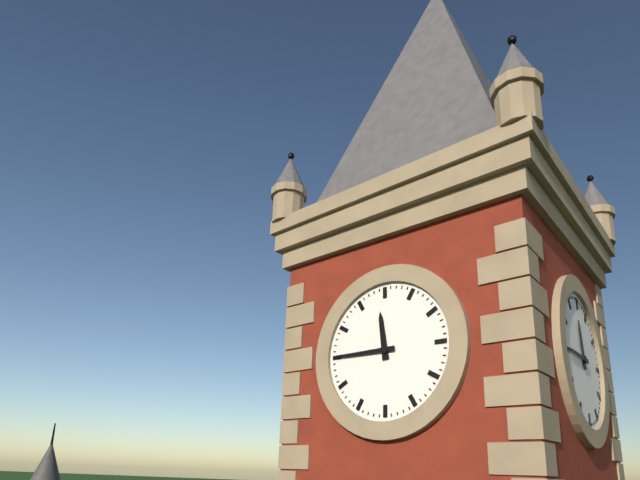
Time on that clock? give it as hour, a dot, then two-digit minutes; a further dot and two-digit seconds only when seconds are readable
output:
11.45
